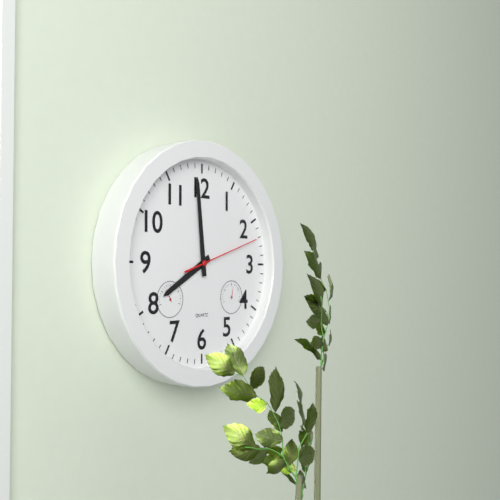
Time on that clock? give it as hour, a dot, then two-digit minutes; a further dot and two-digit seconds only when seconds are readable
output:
7.59.12
